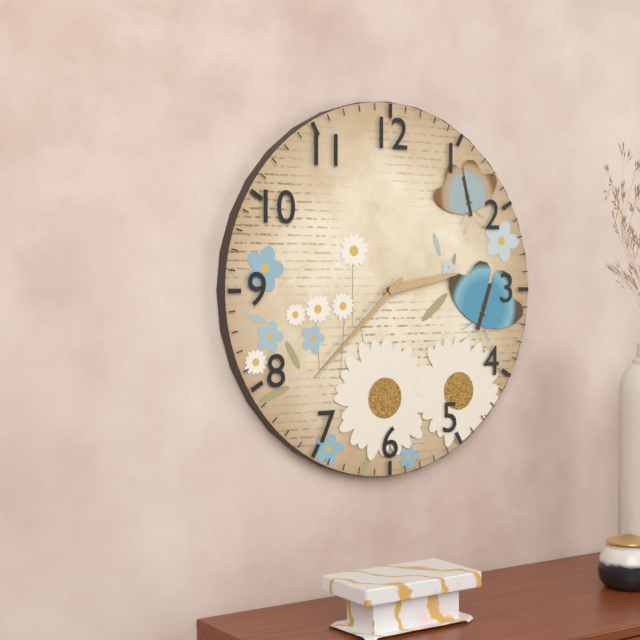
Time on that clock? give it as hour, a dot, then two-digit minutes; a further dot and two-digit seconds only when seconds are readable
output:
2.38
